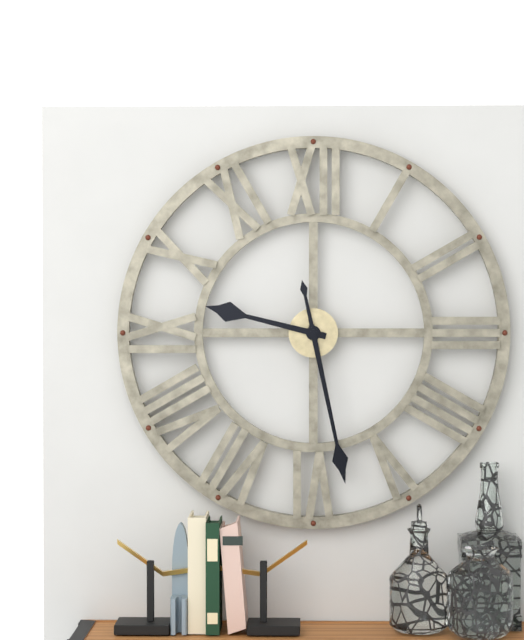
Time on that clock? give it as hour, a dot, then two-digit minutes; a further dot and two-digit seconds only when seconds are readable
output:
9.28
